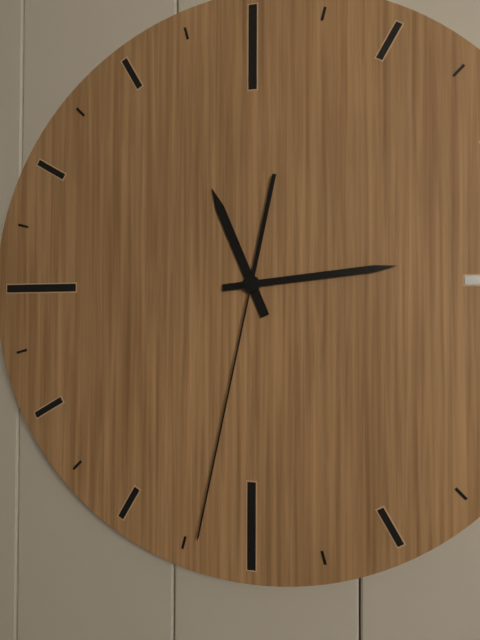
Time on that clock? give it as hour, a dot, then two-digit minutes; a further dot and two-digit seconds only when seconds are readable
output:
11.14.32
